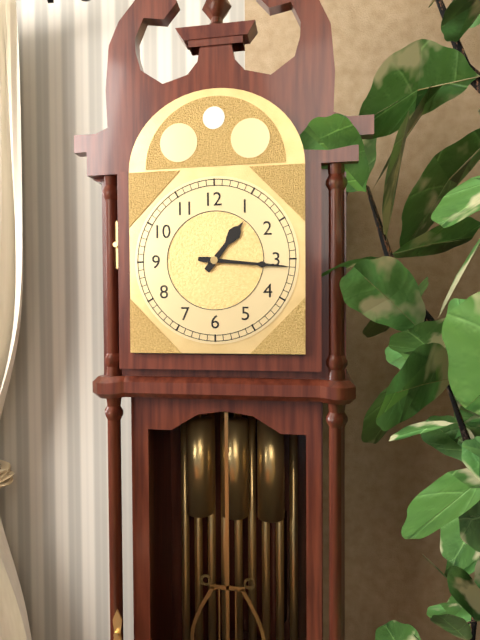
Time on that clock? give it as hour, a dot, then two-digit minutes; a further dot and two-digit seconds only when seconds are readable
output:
1.16
